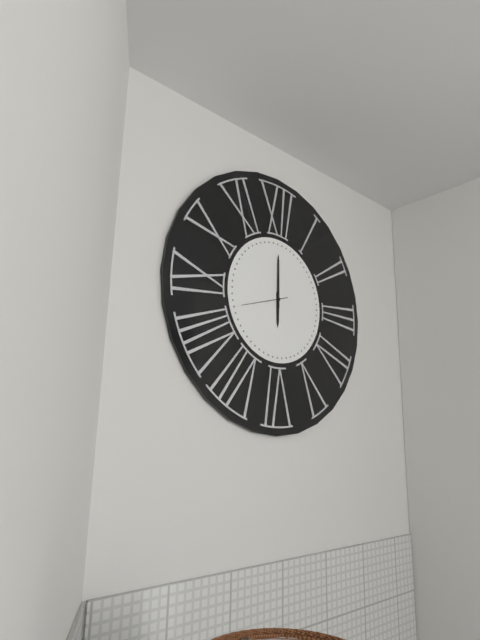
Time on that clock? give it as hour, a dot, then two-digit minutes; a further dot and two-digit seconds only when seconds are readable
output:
6.00
